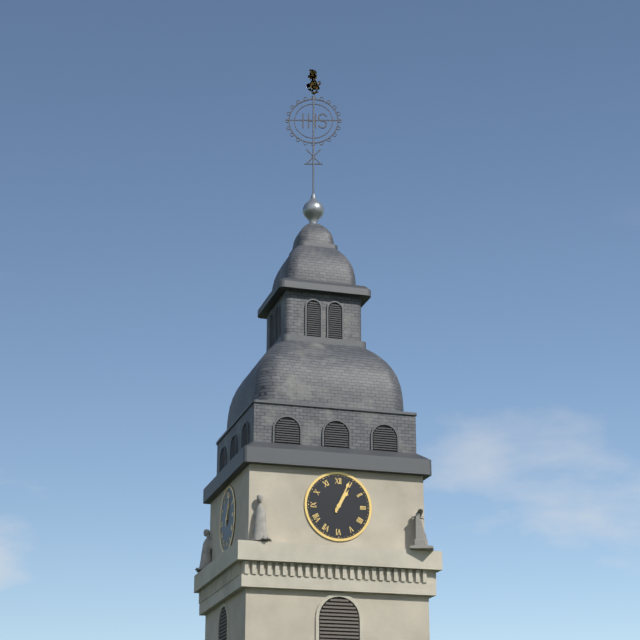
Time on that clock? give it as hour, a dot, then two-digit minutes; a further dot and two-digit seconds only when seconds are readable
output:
1.04
